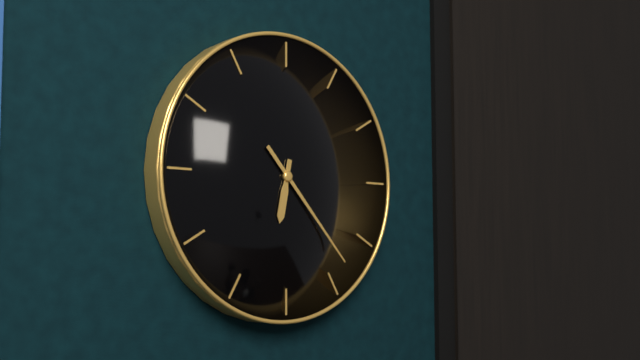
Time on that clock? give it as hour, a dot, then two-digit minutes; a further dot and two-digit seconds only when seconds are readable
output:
6.23
